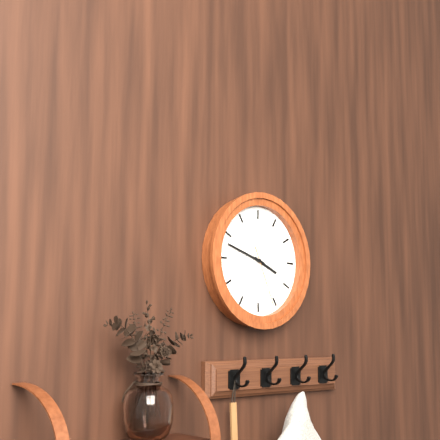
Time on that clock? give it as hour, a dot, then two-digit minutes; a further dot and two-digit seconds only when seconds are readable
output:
3.48.26
